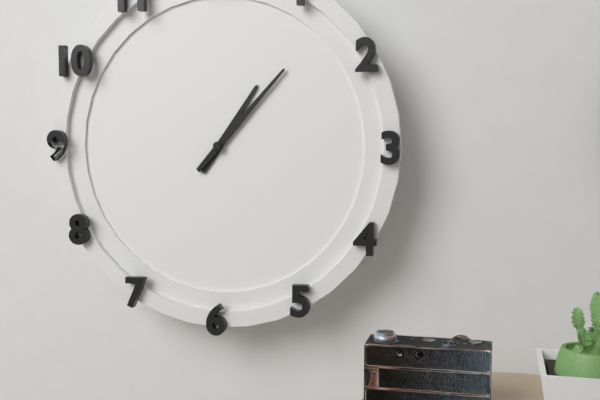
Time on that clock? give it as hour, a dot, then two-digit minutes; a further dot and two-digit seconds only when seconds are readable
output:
1.07
